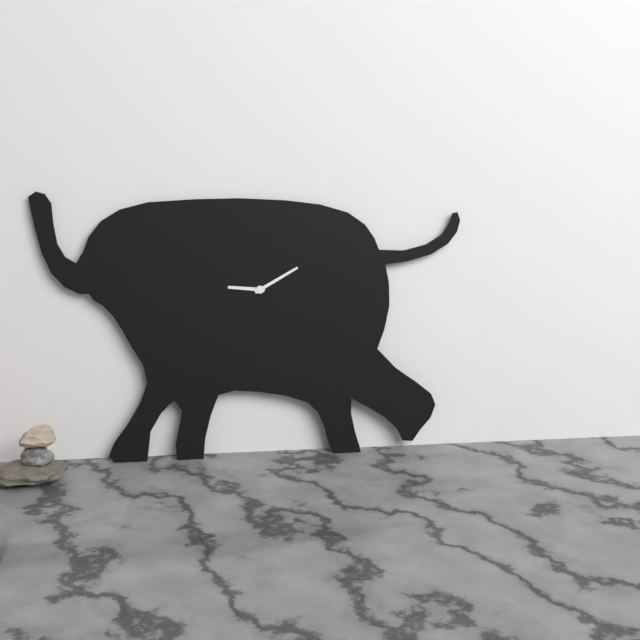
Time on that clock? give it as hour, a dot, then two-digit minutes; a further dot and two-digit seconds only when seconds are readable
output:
9.10
